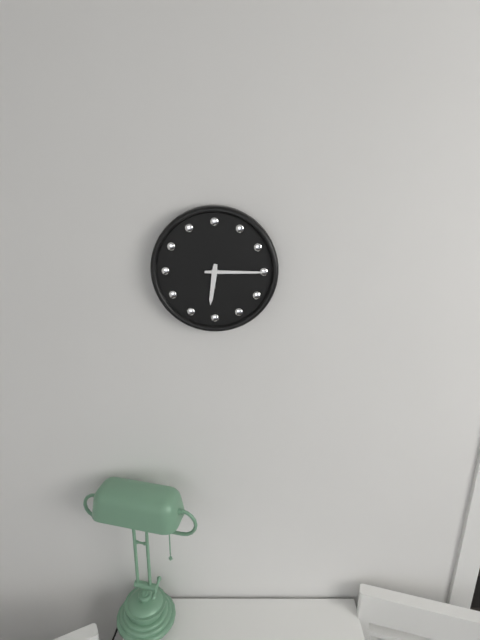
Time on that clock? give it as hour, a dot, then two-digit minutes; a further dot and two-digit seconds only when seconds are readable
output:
6.15
